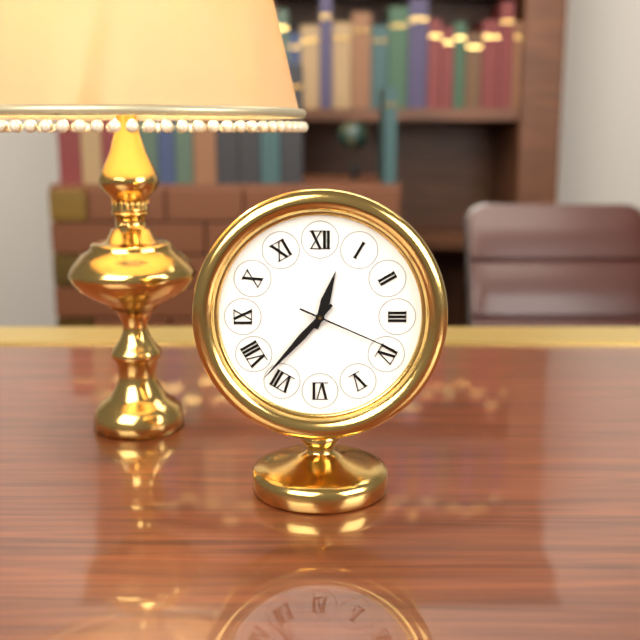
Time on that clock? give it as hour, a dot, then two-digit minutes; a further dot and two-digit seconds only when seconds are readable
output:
12.37.19
